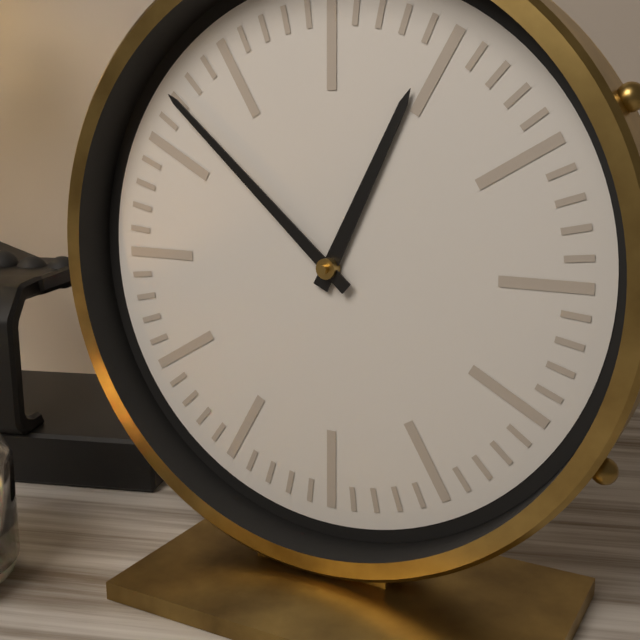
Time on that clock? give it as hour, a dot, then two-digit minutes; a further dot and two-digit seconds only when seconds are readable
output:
12.52
